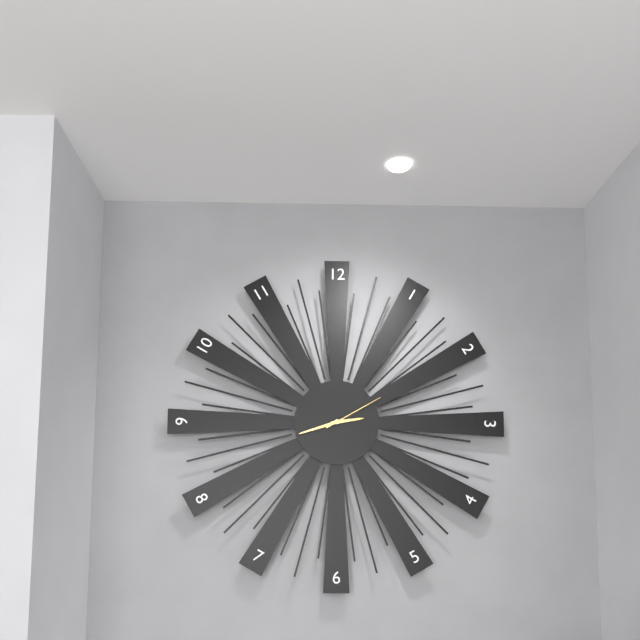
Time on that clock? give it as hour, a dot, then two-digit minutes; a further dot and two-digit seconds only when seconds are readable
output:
2.42.10
